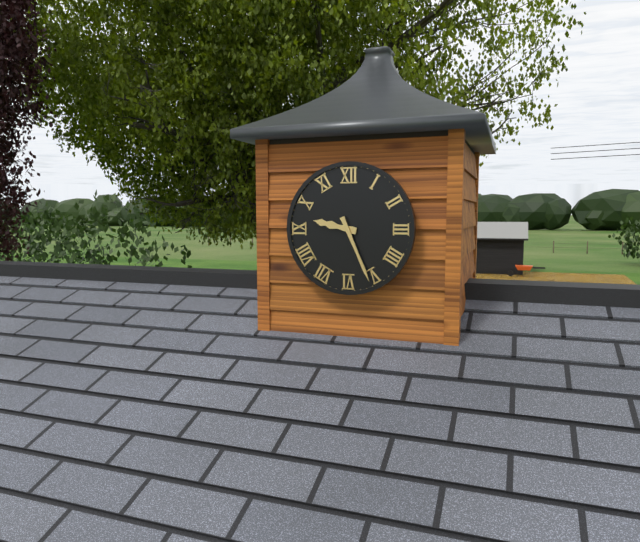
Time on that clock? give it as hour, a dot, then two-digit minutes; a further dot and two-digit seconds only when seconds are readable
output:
9.26
